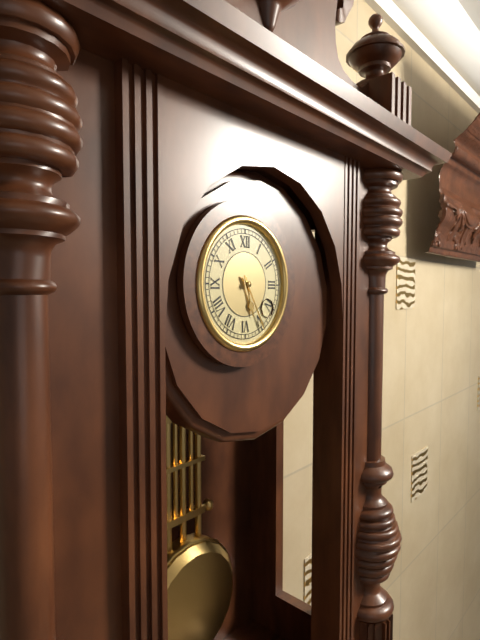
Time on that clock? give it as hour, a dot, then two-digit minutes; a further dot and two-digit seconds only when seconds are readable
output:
5.25
